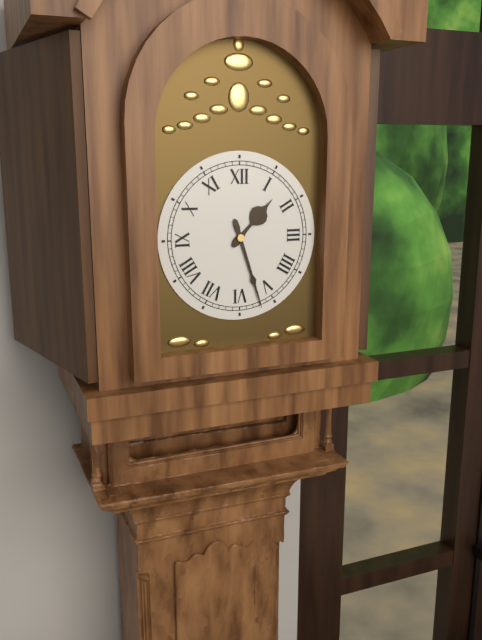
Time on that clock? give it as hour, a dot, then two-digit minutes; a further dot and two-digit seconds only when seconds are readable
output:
1.27
